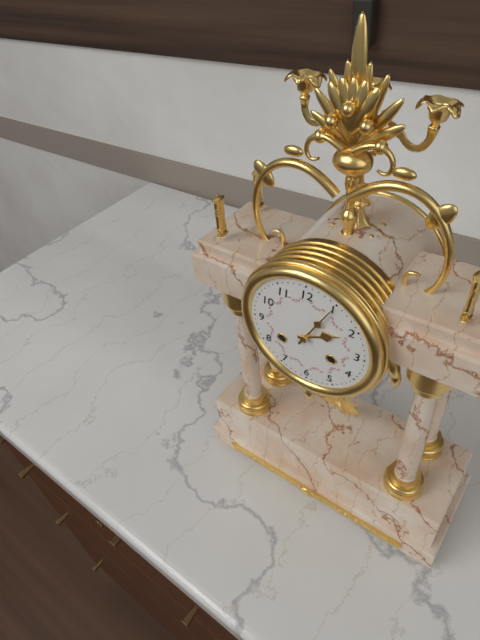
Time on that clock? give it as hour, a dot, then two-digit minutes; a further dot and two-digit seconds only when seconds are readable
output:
2.05
